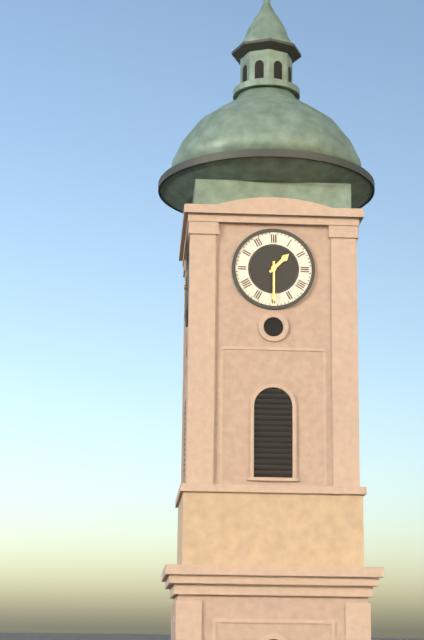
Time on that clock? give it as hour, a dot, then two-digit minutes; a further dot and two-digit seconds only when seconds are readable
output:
1.30
